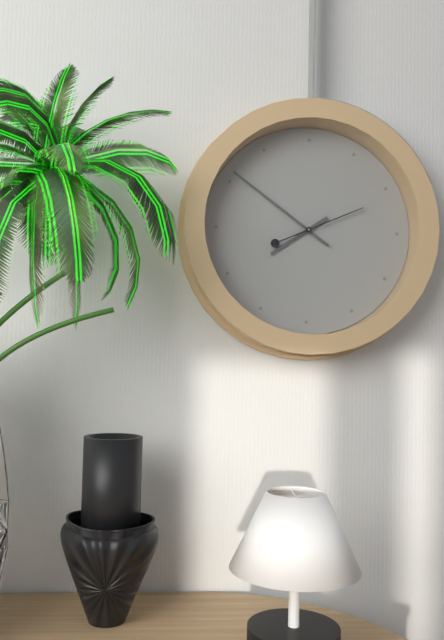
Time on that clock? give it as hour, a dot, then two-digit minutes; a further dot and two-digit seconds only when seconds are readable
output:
7.51.11
